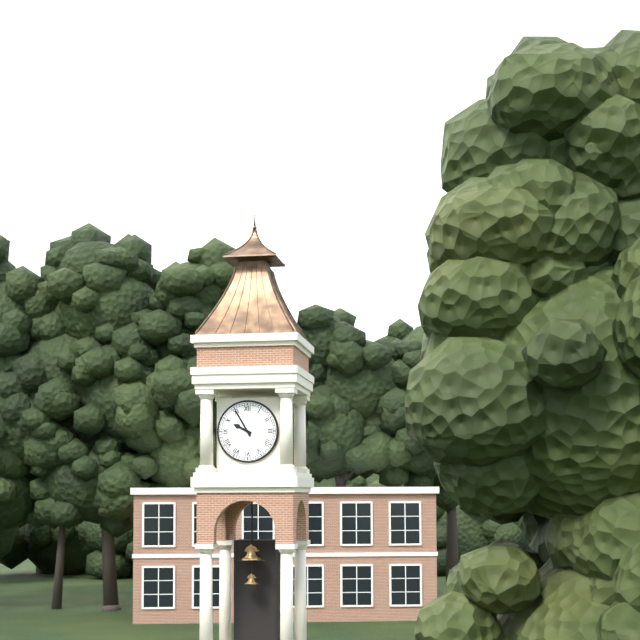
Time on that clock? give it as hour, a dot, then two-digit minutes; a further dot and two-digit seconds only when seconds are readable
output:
9.55
